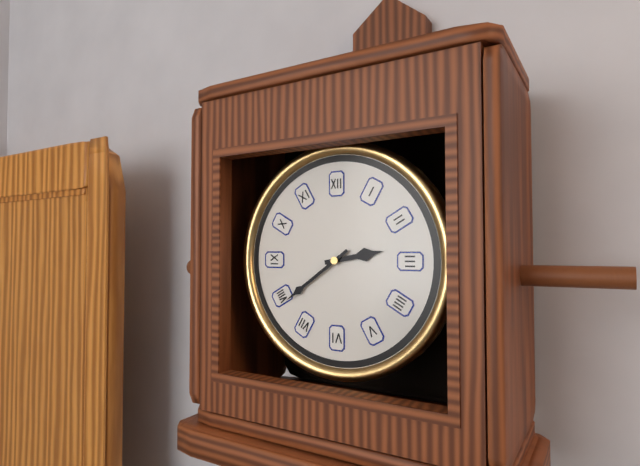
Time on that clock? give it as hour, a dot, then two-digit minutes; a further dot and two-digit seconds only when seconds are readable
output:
2.39
